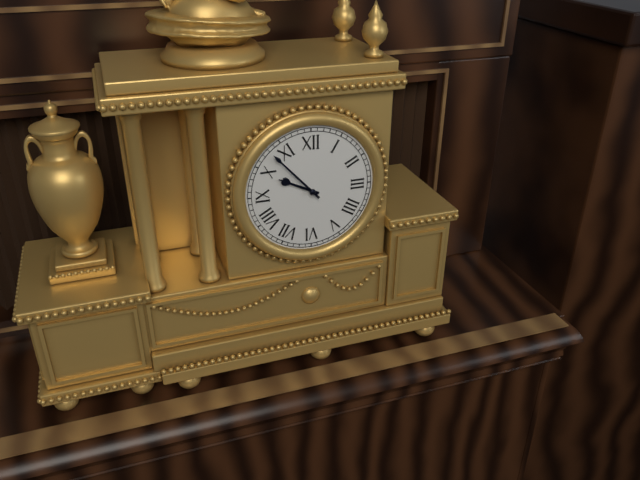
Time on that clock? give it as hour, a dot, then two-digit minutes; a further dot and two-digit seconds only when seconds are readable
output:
9.53
